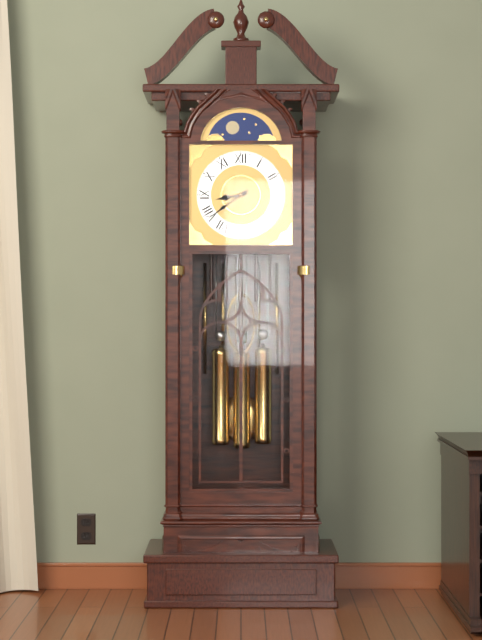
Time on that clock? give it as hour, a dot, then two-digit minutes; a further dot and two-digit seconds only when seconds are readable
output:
8.39
